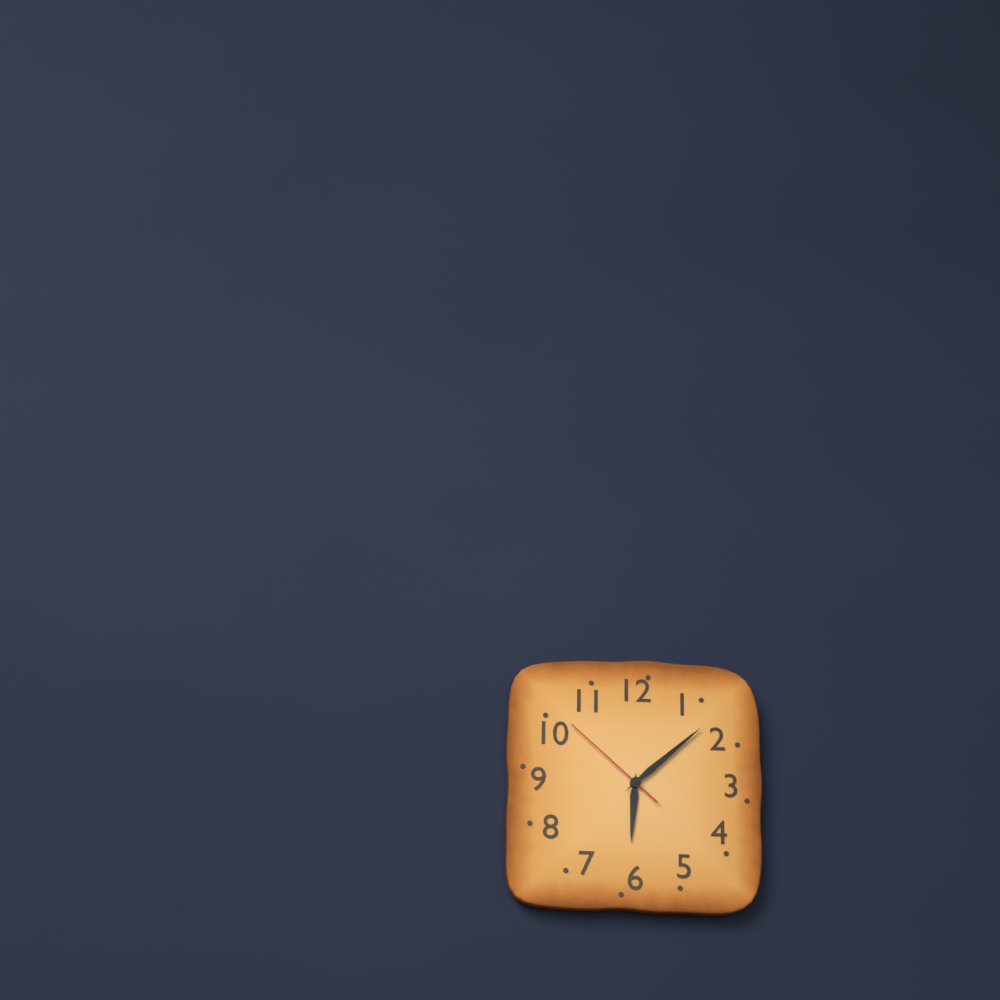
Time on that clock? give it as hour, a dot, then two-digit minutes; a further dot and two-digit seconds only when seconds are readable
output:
6.08.52
